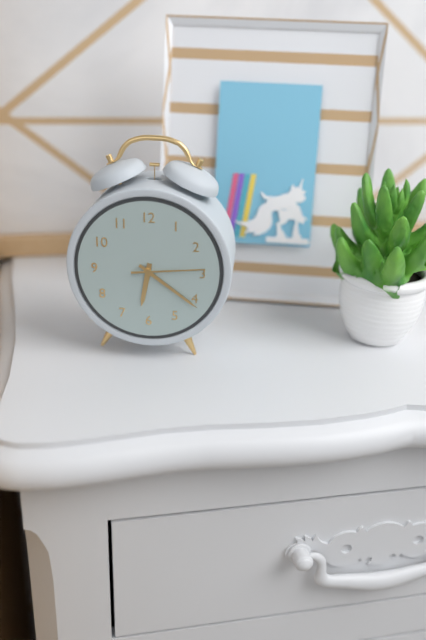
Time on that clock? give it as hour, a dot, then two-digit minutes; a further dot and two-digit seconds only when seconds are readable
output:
6.21.14
